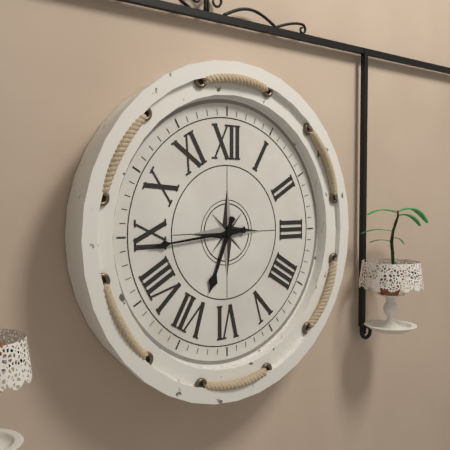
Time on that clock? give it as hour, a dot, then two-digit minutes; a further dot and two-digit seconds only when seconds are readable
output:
6.44
